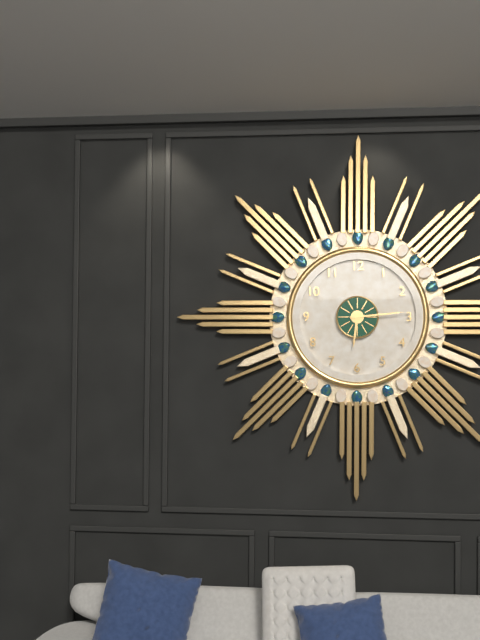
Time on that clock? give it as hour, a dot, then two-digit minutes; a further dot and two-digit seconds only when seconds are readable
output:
6.14
